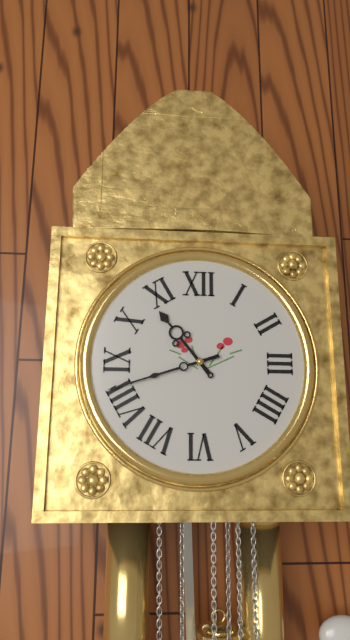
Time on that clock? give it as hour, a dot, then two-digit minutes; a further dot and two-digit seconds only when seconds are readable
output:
10.42
